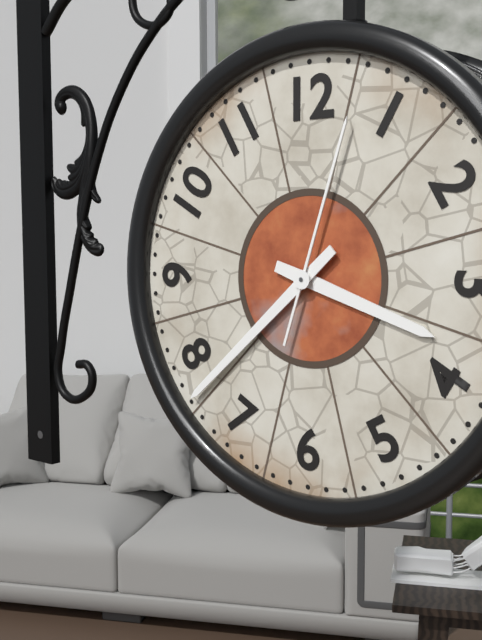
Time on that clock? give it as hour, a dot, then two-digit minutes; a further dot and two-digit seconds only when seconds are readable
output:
3.38.03
